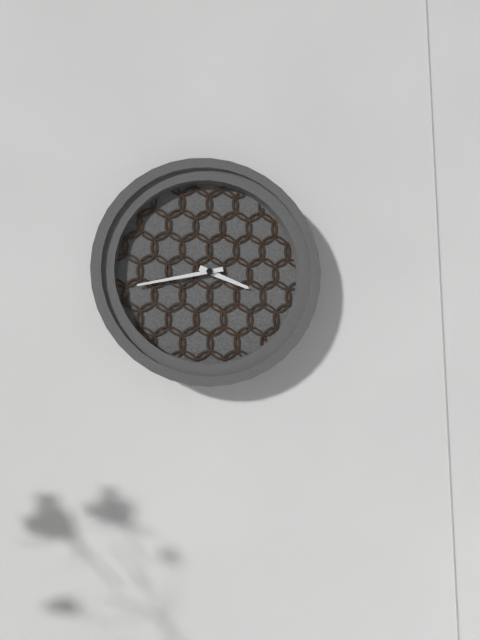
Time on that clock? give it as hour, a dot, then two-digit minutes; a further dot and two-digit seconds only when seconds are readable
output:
3.43
